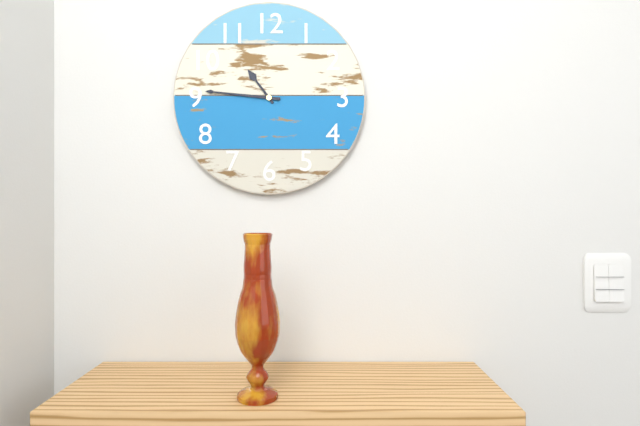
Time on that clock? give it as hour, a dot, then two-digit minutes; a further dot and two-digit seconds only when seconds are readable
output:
10.46
